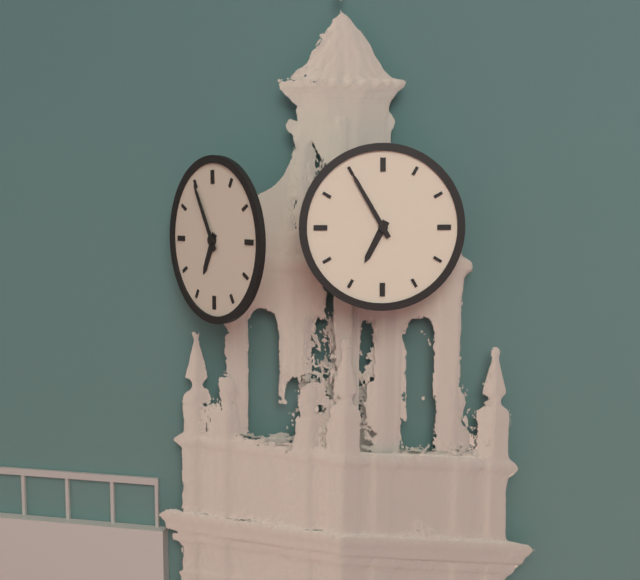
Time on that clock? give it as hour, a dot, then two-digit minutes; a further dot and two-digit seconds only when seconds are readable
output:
6.55
